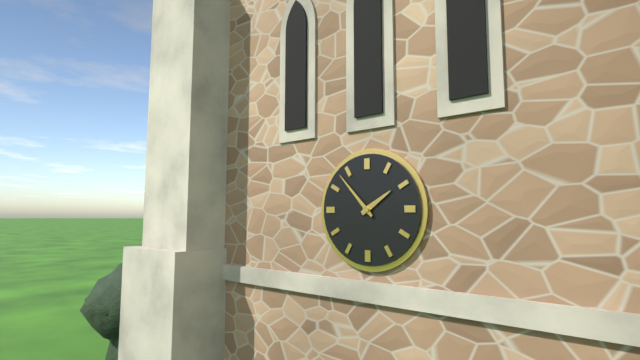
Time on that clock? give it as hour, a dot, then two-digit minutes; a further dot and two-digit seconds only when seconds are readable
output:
1.53
